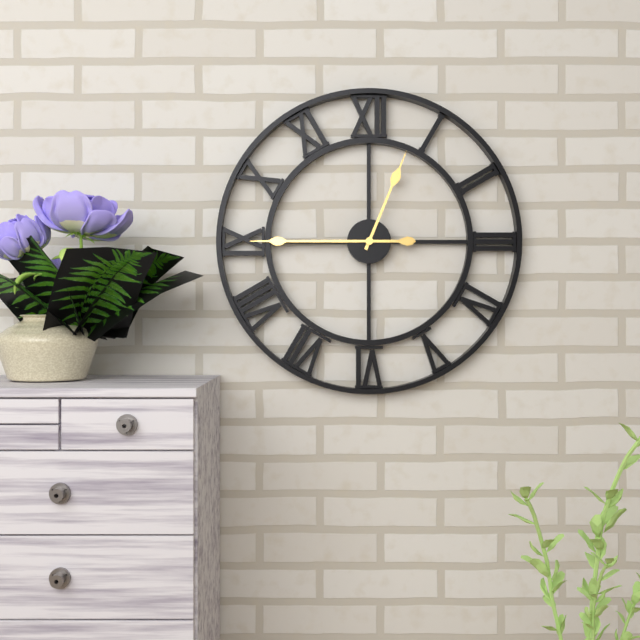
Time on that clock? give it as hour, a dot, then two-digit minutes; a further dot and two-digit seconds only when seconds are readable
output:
12.45
